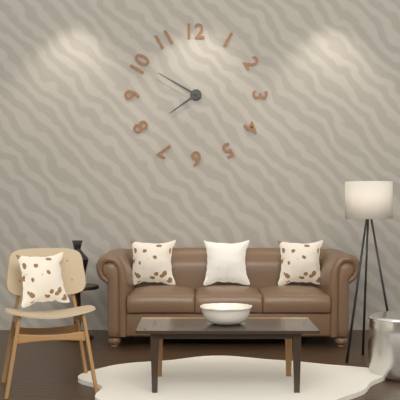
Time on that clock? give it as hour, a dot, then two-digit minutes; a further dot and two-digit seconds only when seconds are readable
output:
7.50
